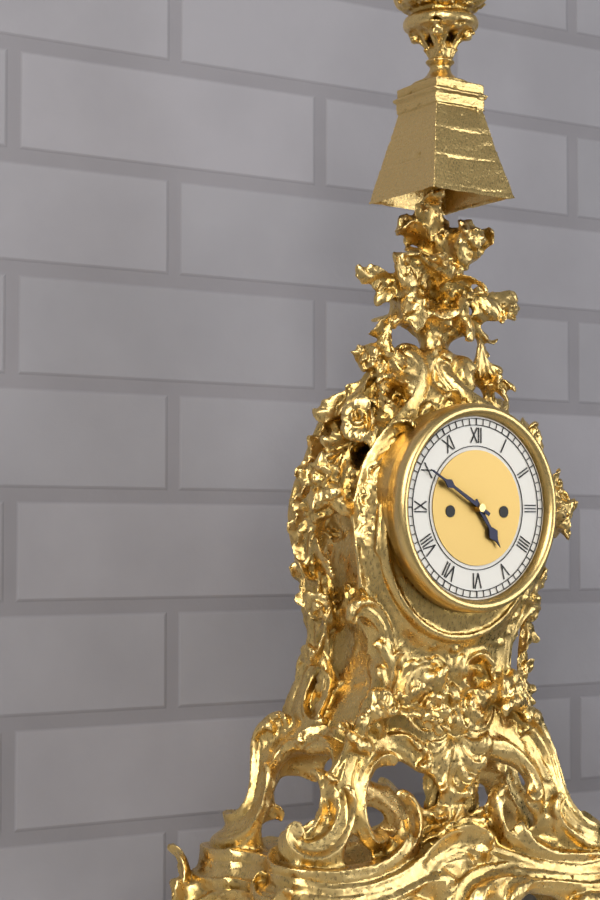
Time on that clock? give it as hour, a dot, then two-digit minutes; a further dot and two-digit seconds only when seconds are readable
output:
4.50
